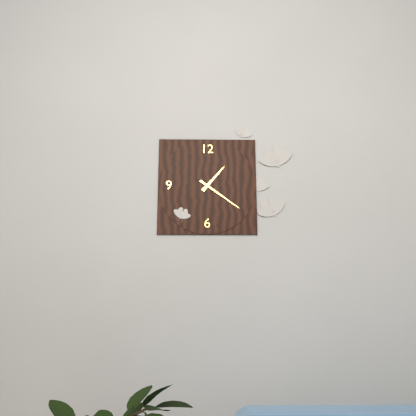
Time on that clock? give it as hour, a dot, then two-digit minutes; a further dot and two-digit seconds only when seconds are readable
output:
1.21
